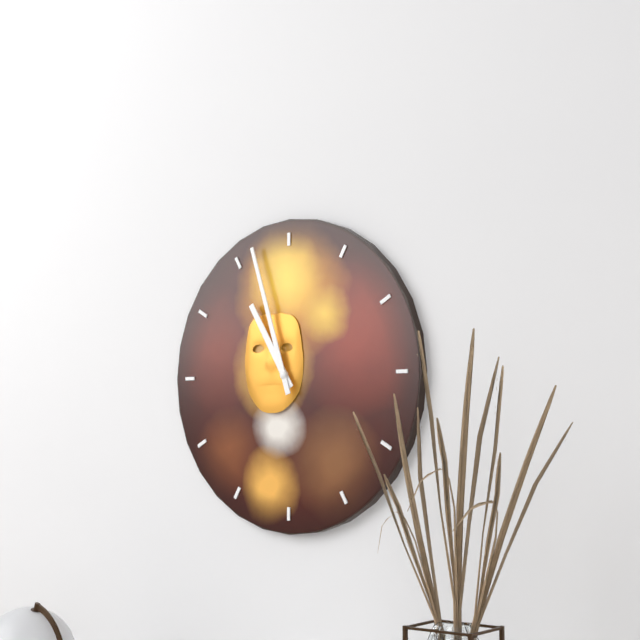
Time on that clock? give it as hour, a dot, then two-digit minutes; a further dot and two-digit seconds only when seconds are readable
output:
10.57
